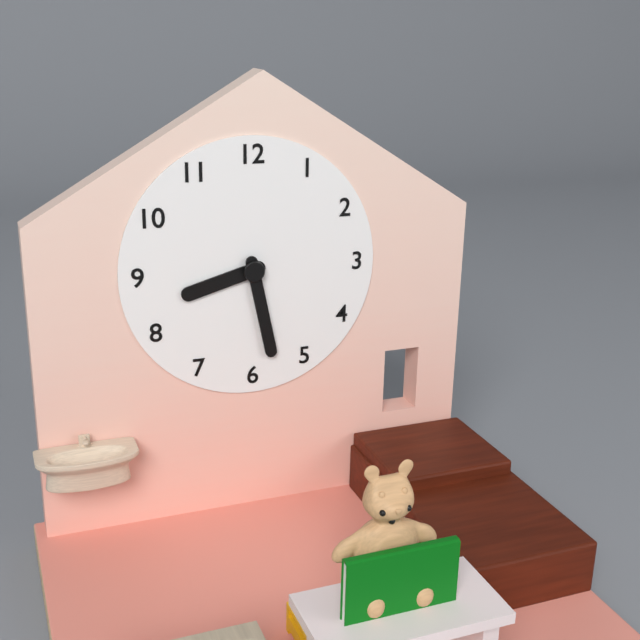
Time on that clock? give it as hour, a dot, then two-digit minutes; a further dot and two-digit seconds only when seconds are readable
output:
8.28
